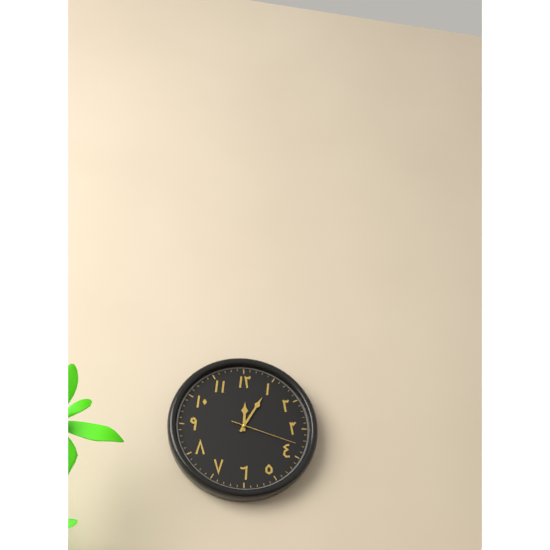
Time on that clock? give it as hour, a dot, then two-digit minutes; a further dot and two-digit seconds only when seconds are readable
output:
12.05.18
